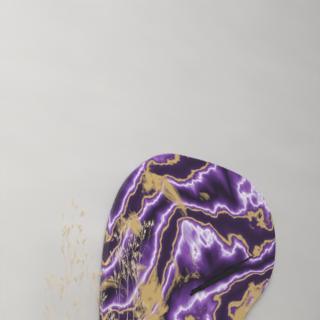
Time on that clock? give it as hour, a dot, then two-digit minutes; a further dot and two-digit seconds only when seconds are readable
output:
2.10
